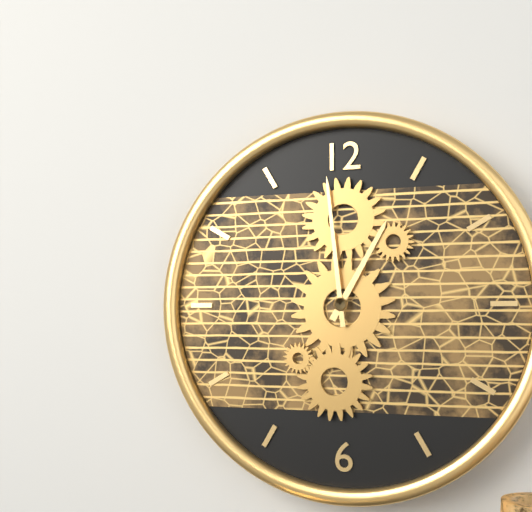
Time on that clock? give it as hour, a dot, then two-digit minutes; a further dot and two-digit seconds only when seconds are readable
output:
12.59
